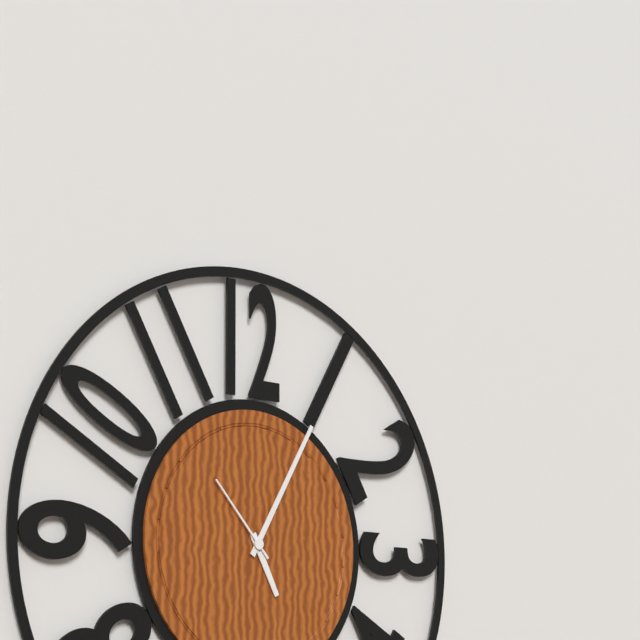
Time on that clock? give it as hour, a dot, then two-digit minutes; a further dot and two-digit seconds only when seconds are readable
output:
5.05.53
